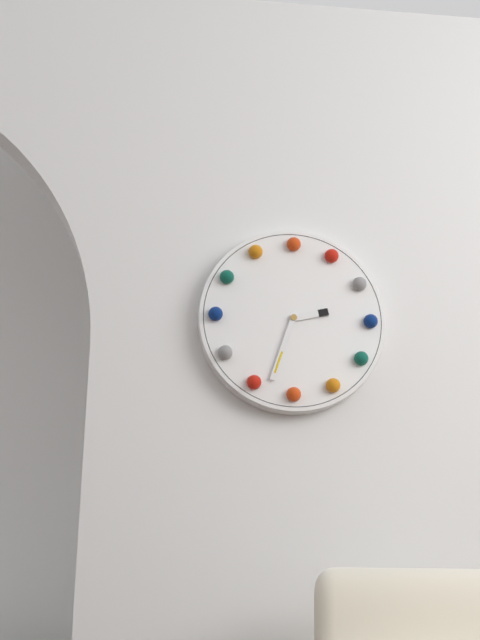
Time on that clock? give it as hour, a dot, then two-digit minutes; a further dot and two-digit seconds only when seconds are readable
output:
2.33
